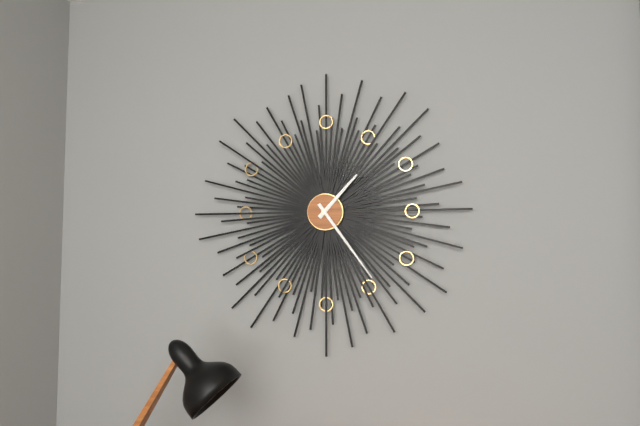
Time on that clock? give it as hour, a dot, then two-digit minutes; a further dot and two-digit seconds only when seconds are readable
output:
1.24
